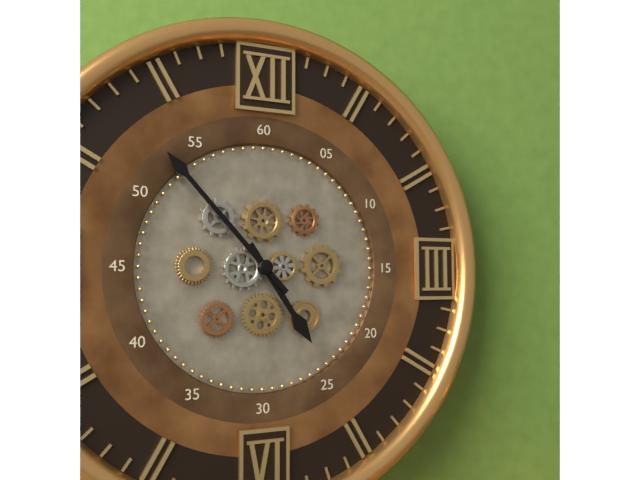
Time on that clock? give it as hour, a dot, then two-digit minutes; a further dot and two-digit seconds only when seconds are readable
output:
4.53
